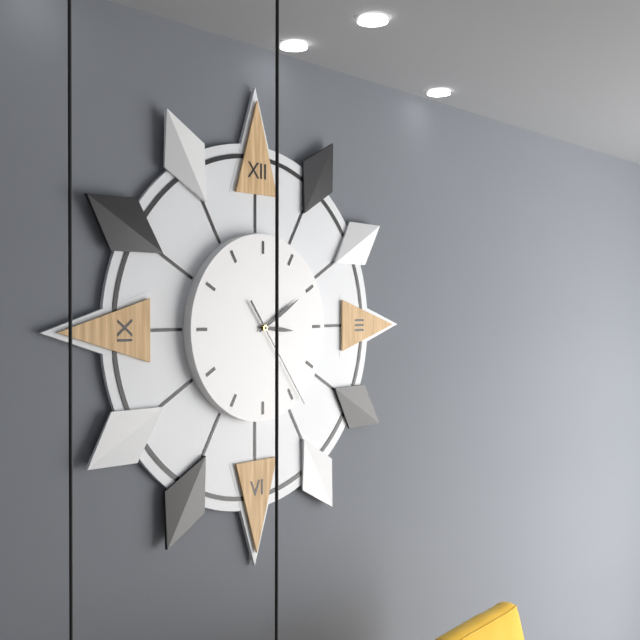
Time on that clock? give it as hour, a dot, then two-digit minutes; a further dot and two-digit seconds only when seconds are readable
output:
3.10.24
